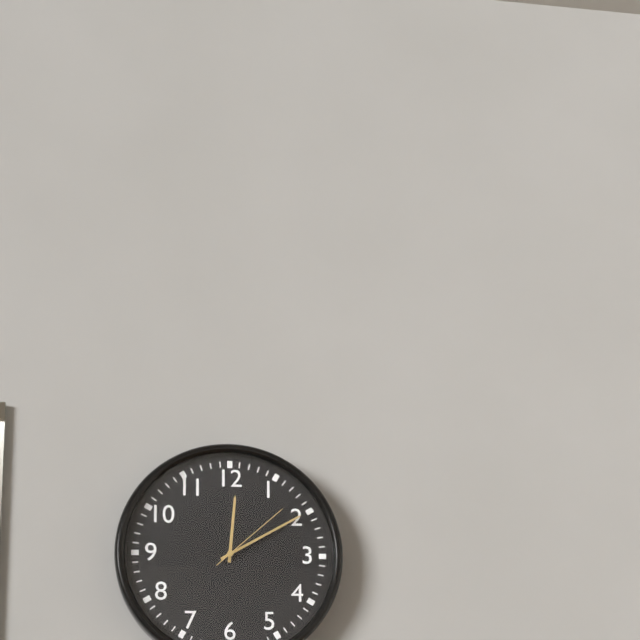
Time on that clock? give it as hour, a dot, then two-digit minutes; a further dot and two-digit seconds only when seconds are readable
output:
12.10.08
